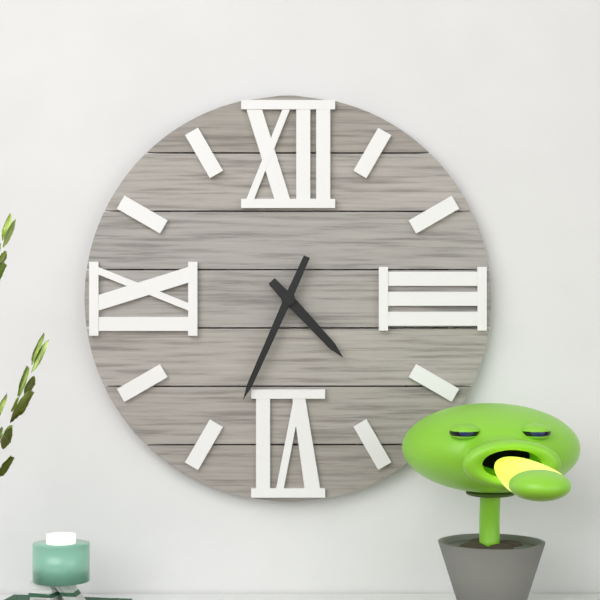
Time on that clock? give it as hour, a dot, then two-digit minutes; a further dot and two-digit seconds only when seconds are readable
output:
4.34
